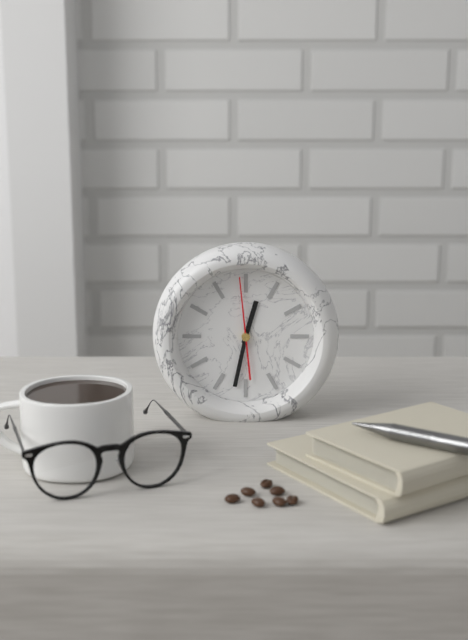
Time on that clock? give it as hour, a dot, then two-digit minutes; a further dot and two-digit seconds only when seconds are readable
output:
12.32.59
